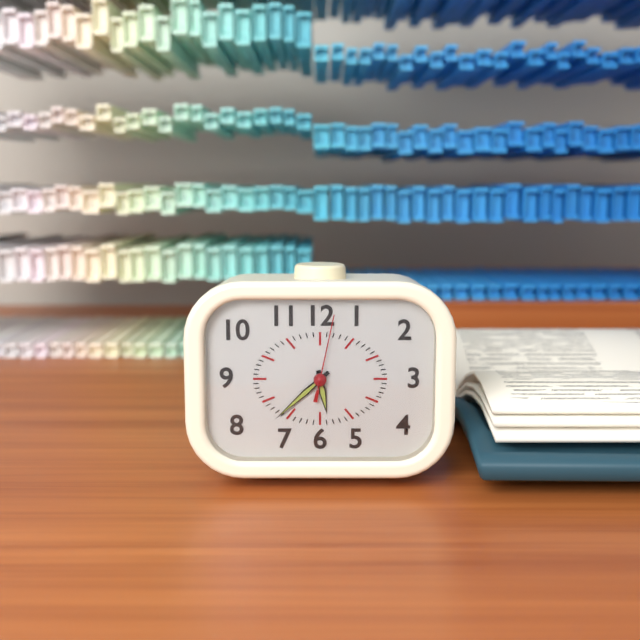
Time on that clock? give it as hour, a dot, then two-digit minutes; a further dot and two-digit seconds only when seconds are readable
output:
5.38.02
